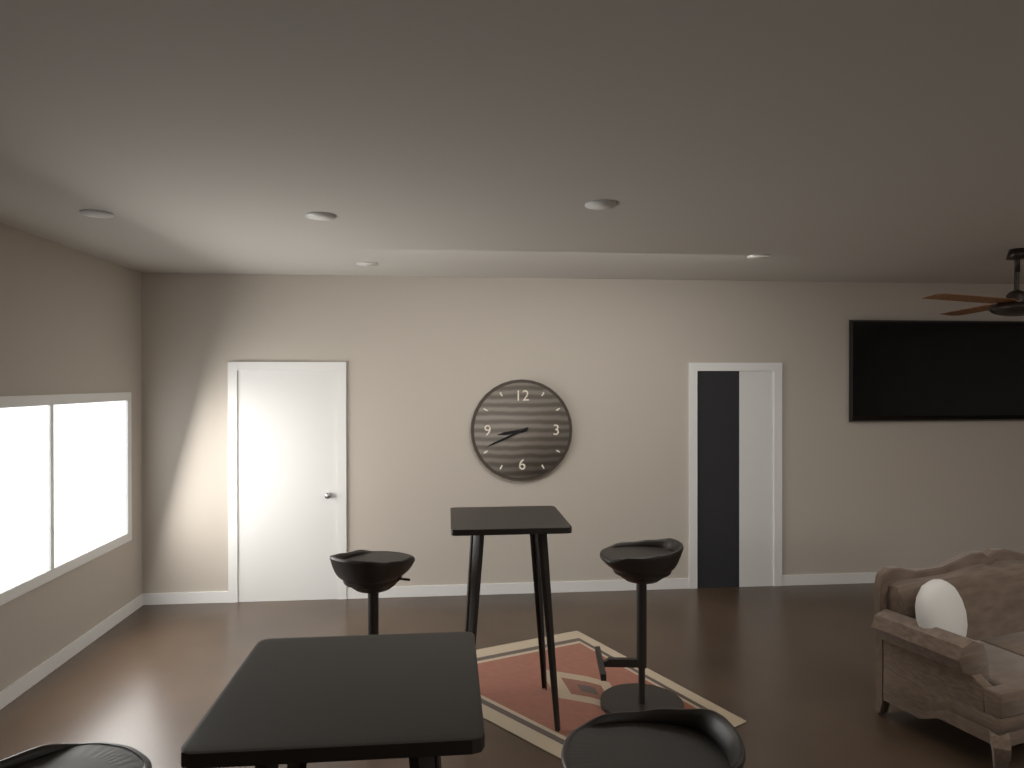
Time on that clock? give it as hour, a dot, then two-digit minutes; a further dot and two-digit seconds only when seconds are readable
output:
8.41
